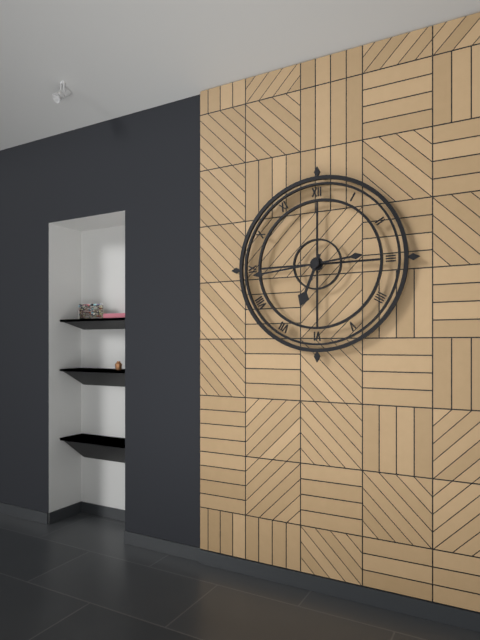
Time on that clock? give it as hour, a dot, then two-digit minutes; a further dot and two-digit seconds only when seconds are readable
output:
6.44
